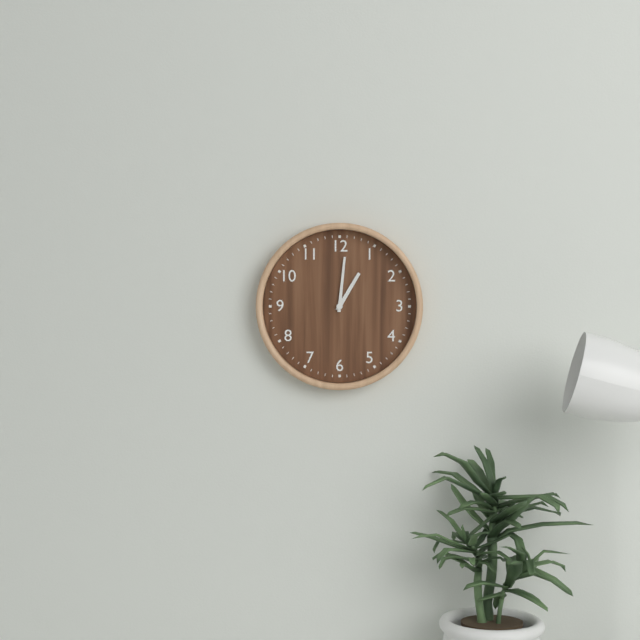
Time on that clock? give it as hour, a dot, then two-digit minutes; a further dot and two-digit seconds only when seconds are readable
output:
1.01
